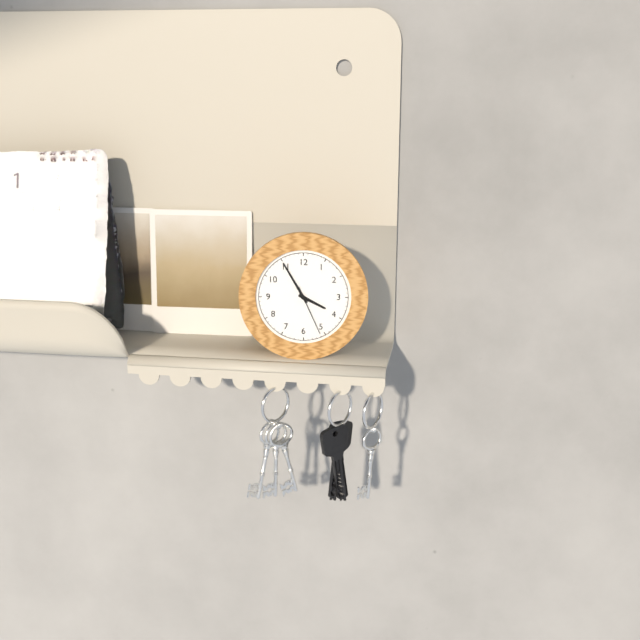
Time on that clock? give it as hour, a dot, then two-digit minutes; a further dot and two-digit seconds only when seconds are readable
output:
3.55.26
